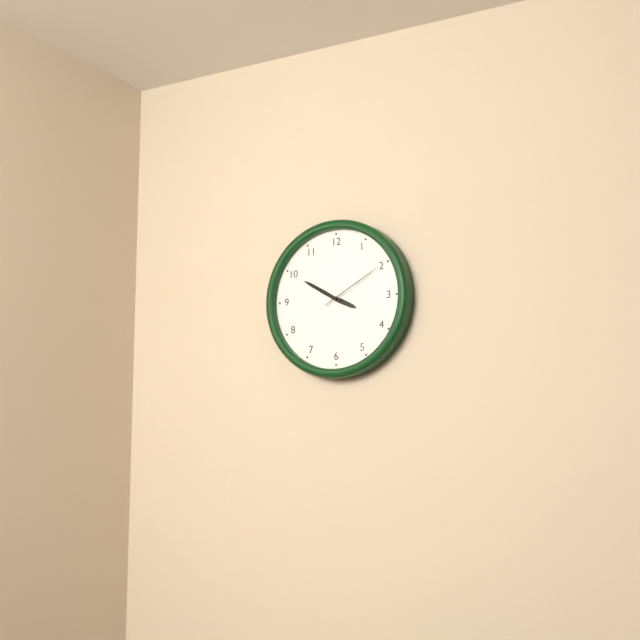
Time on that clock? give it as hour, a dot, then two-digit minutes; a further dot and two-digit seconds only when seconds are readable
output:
3.50.10
